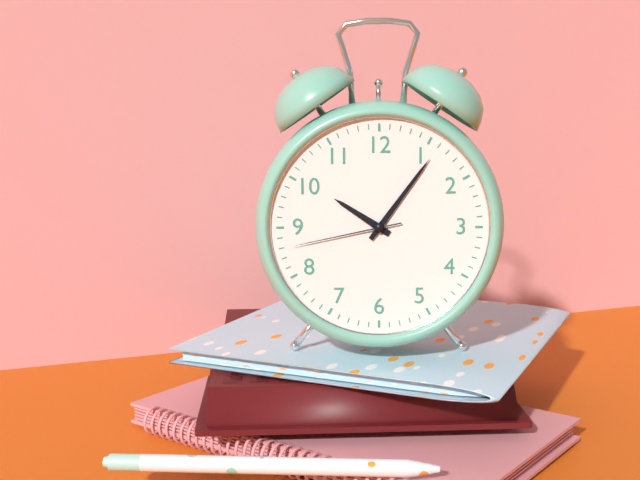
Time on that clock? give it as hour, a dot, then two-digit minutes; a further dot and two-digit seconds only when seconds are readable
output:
10.06.43
